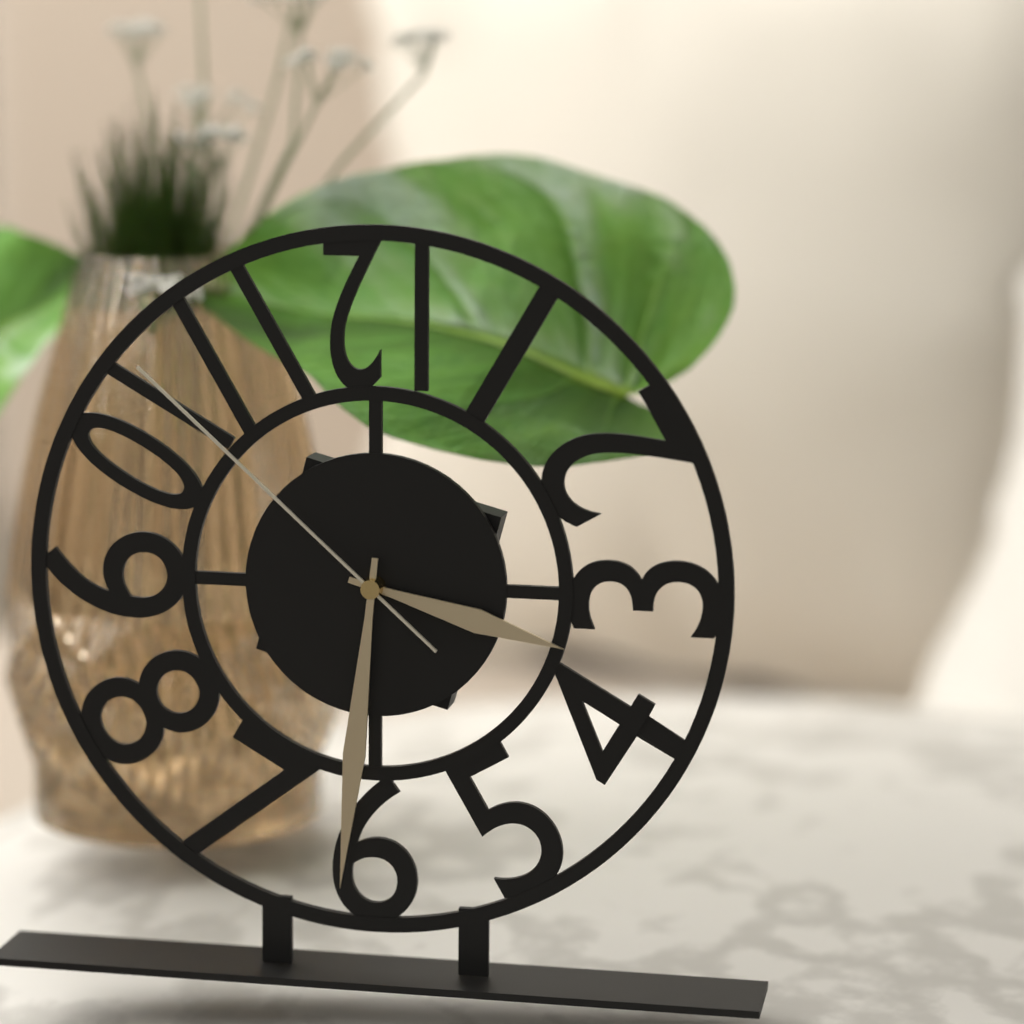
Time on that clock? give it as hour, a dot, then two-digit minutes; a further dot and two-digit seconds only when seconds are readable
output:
3.31.52
